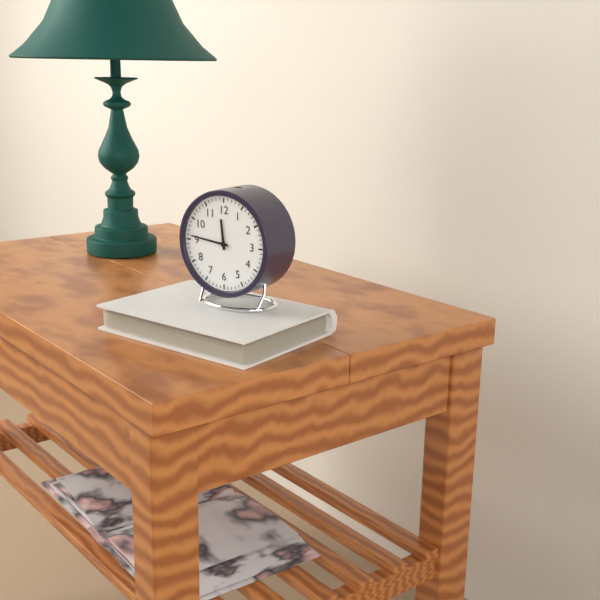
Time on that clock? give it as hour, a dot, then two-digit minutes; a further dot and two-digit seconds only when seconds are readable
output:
11.46
